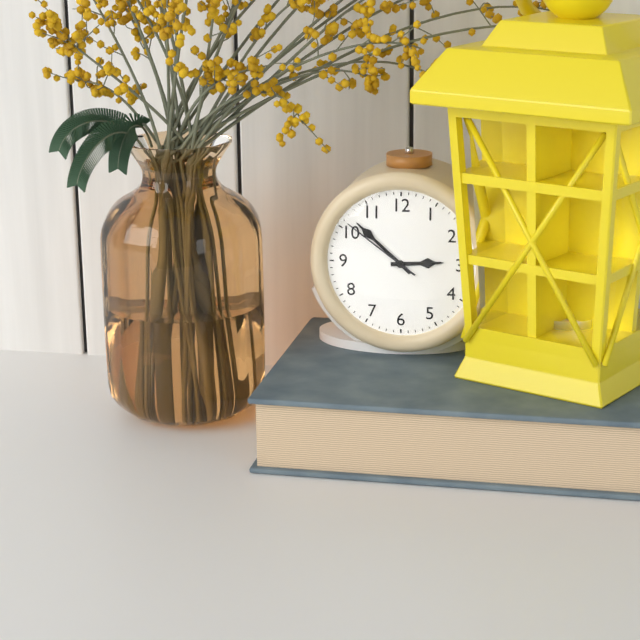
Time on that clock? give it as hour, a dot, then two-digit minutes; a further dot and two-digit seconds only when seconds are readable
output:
2.52.51
